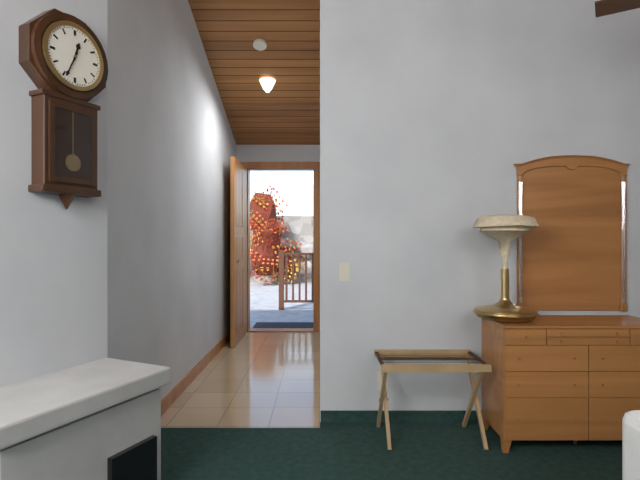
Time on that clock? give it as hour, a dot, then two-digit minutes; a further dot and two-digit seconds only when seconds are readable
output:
12.34
